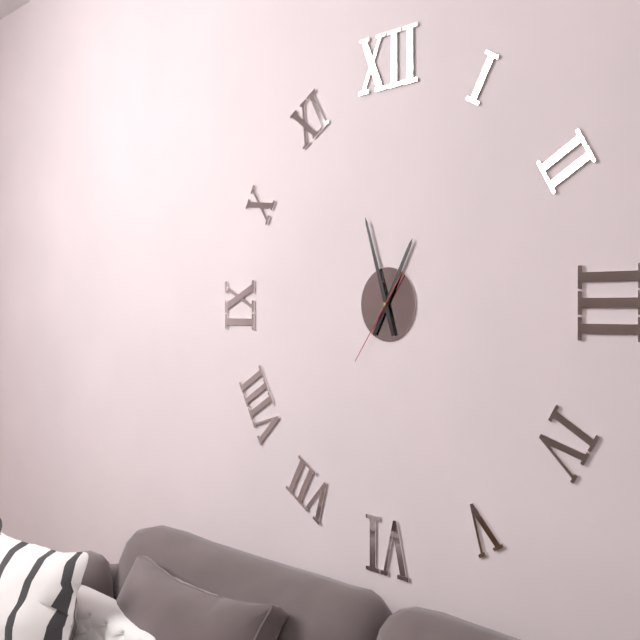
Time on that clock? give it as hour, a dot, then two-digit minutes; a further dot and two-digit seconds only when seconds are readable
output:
12.57.36
